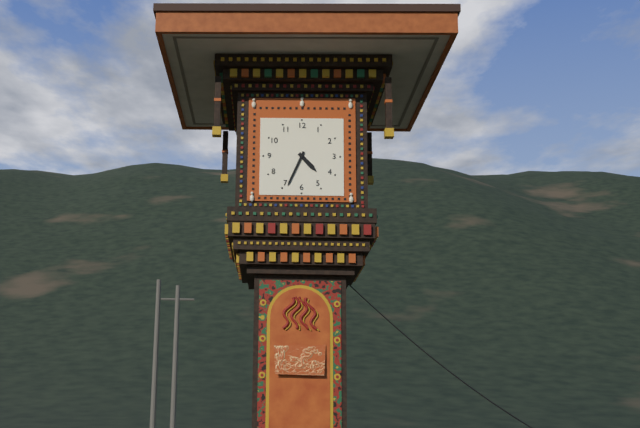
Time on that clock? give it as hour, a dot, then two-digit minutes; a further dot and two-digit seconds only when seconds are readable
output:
4.34
